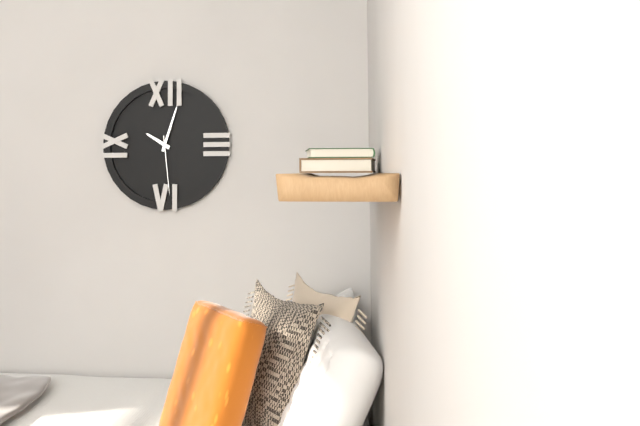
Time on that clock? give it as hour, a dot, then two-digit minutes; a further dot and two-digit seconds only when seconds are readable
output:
10.03.29
